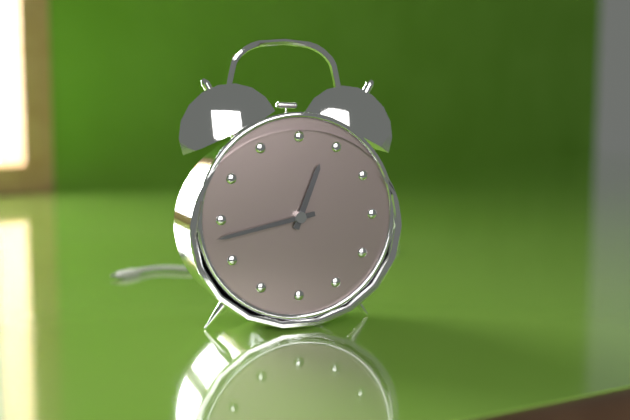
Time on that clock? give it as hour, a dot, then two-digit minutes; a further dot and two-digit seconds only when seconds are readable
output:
12.43
